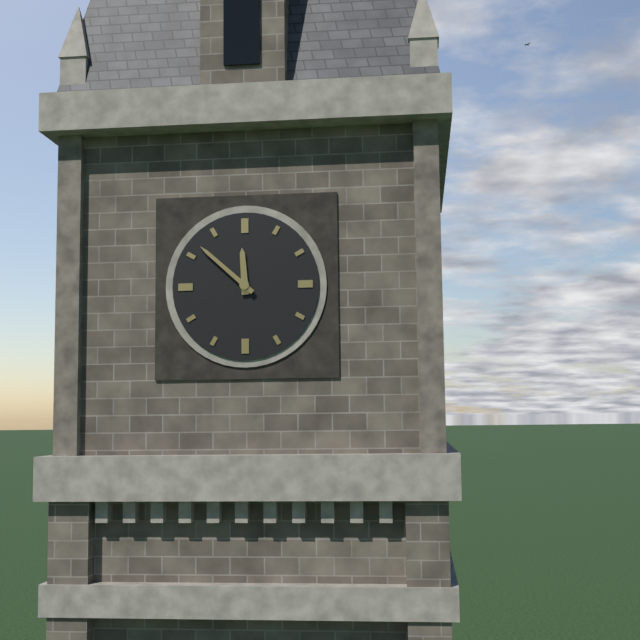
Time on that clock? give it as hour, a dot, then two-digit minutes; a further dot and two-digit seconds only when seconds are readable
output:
11.52
